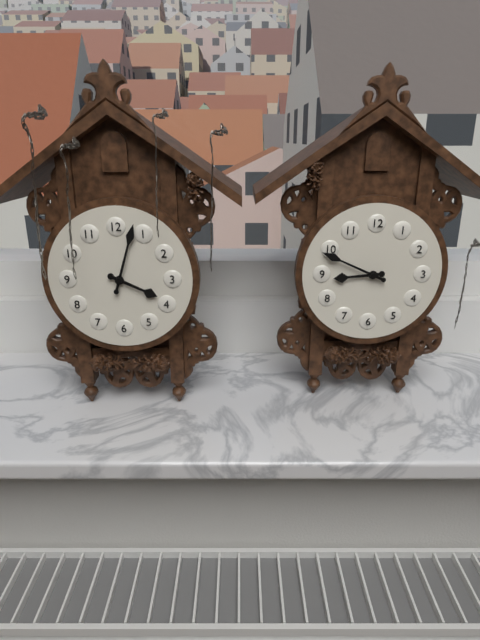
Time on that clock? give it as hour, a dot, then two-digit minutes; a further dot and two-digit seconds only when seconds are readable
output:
8.49
